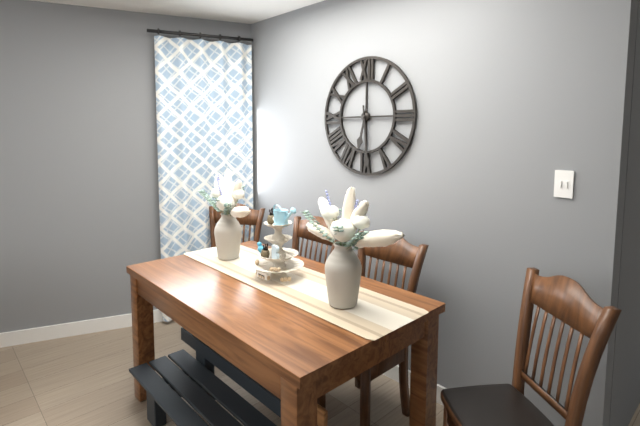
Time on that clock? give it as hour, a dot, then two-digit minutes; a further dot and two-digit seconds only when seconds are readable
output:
6.29
